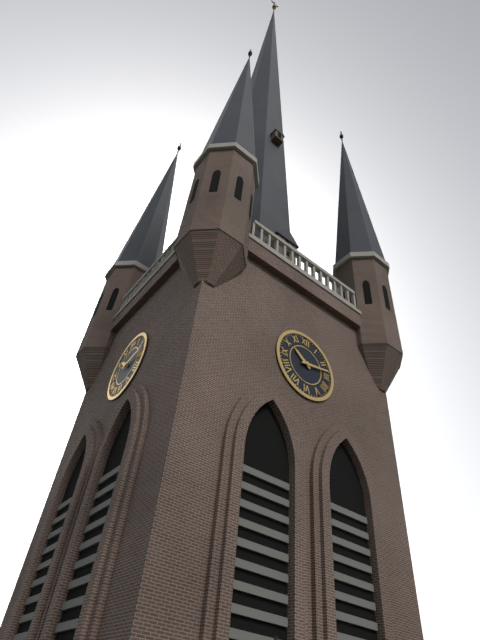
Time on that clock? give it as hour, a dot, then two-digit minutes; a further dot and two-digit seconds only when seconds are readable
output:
10.13
